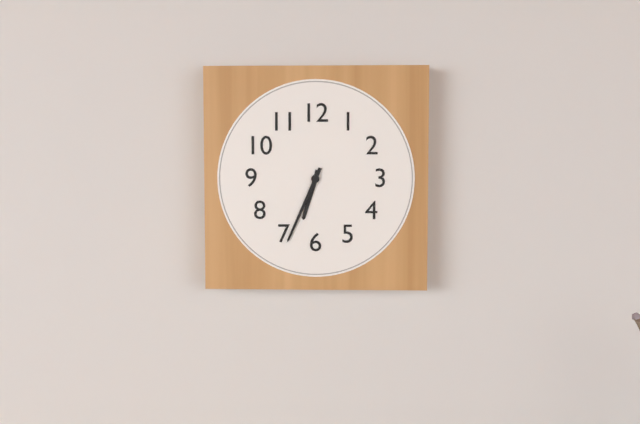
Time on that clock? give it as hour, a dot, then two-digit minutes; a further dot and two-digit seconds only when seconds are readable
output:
6.34
